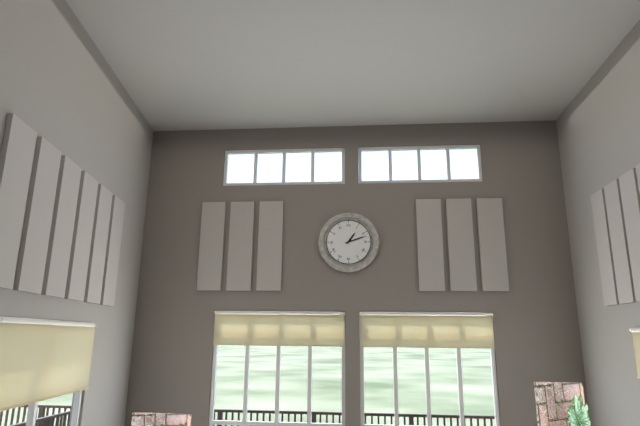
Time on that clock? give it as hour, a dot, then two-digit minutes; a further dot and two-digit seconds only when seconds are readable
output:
1.12
